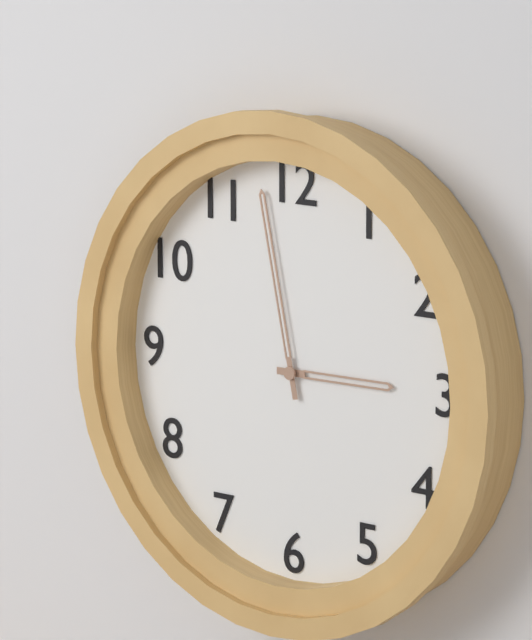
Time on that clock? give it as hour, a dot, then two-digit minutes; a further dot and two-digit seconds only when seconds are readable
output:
2.58
